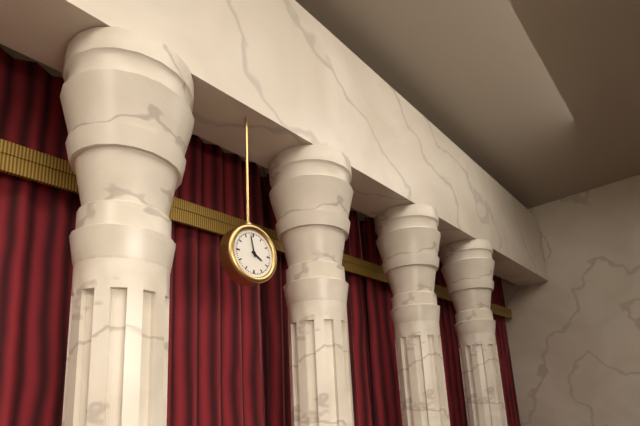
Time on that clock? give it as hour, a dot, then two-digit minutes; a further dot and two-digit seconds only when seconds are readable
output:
3.58
